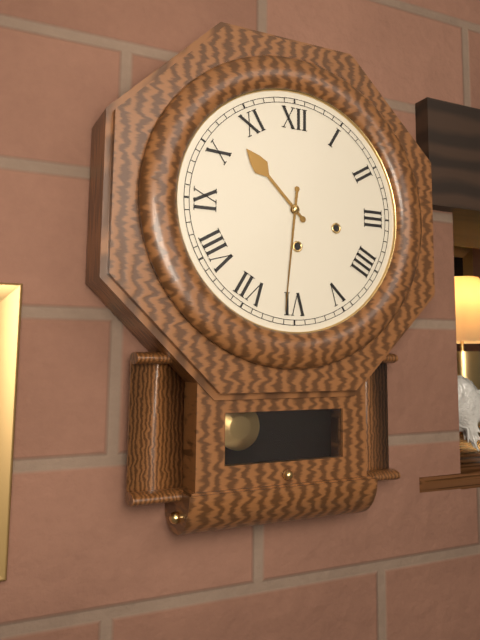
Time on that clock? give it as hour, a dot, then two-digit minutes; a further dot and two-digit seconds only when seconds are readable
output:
10.31
